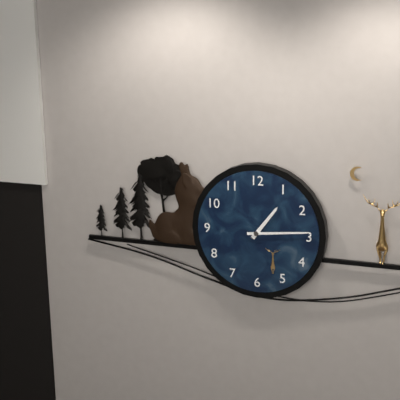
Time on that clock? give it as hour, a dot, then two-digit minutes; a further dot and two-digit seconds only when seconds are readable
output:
1.14
